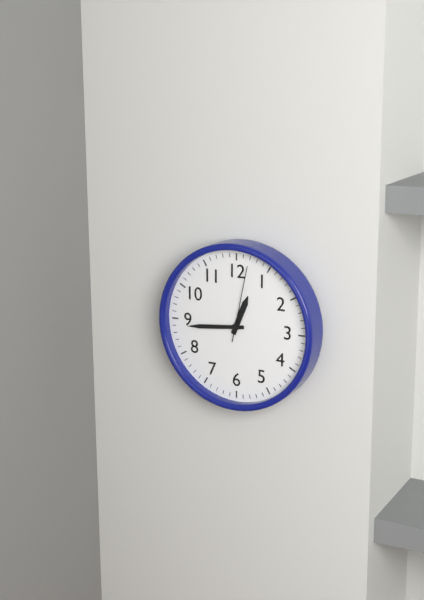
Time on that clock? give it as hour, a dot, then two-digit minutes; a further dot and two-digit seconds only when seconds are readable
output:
12.44.02
